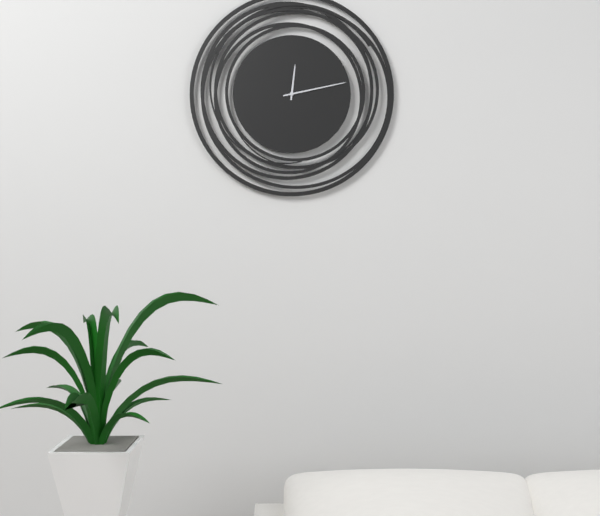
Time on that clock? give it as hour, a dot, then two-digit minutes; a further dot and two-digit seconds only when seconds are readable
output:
12.13
